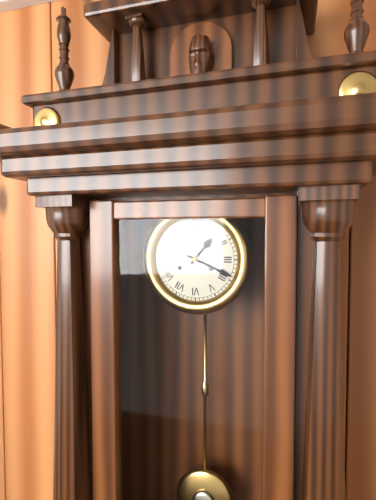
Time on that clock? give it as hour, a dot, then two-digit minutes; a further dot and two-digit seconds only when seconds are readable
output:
1.19
